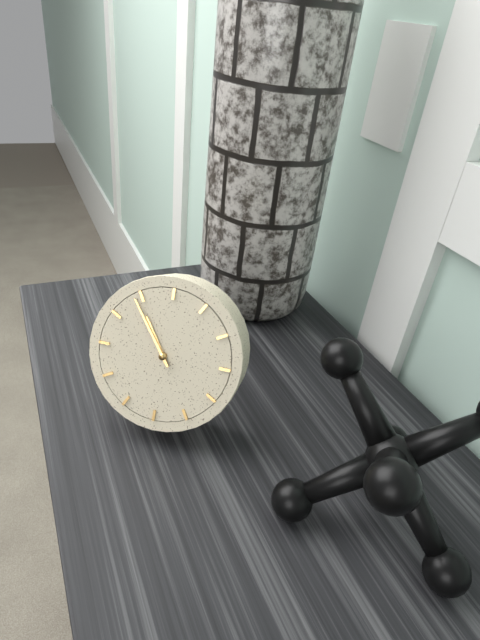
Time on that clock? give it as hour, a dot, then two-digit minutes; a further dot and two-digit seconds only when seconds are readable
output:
10.54
